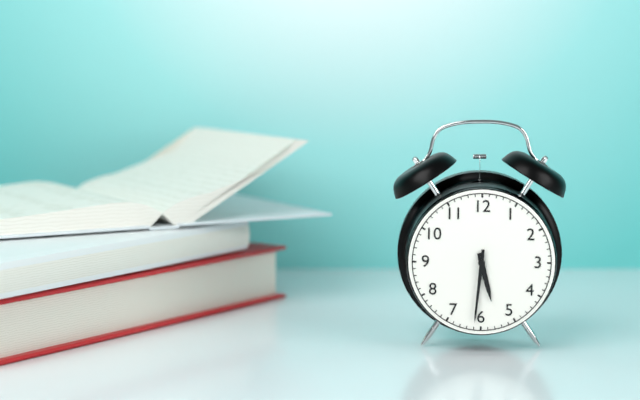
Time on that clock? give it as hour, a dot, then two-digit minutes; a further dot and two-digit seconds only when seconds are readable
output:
5.31
